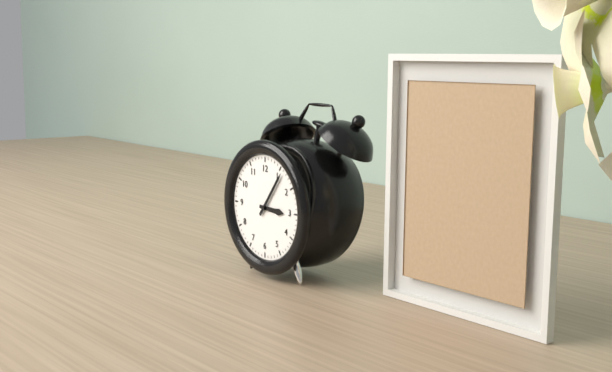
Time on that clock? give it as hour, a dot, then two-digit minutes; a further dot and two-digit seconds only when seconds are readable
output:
3.06
